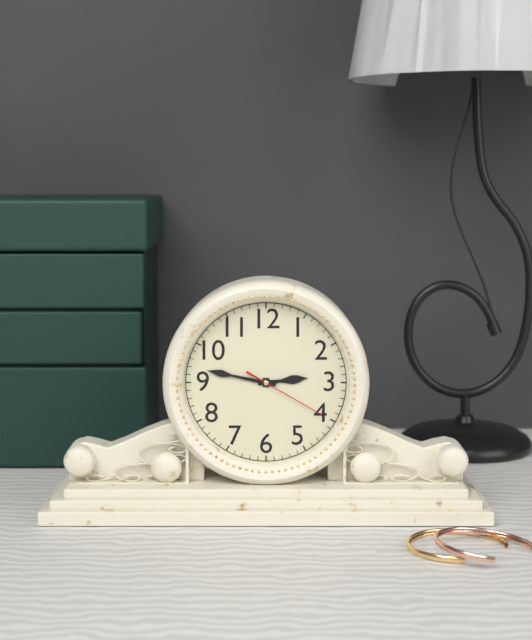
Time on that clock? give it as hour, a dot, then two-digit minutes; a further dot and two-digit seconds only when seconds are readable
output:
2.47.20
